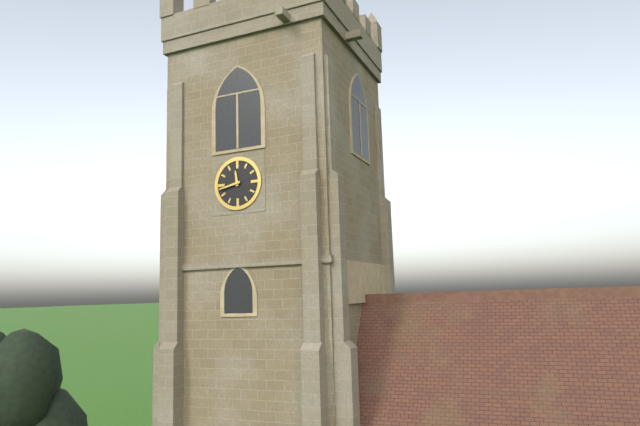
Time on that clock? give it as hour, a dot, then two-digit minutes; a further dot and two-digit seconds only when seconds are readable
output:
11.43
